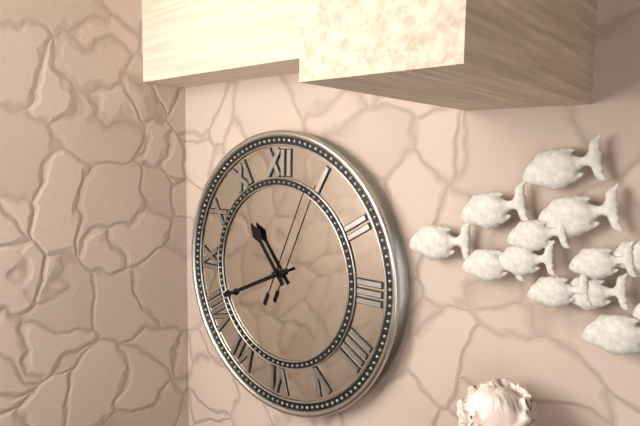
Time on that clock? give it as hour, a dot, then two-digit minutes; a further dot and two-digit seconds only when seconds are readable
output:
10.41.04
